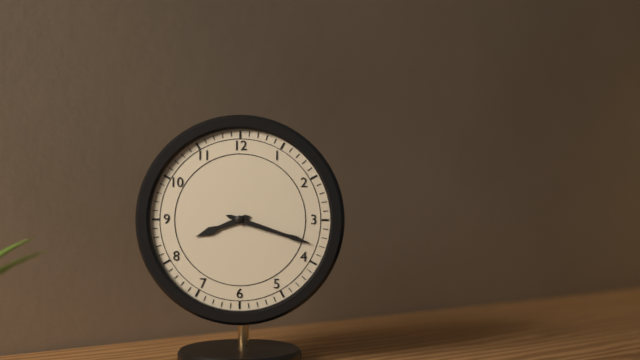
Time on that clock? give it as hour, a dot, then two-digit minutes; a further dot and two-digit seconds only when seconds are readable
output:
8.18
